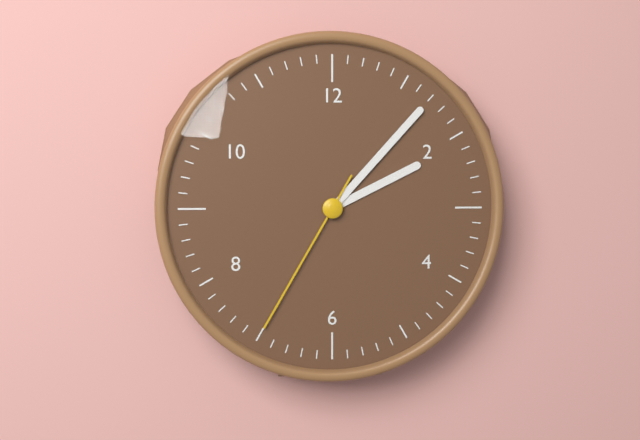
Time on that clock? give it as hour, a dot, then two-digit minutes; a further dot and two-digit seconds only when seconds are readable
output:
2.07.35
